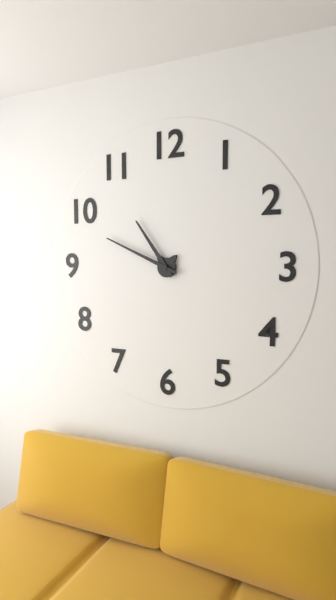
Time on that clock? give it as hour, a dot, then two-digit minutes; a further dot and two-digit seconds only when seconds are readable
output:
10.49
